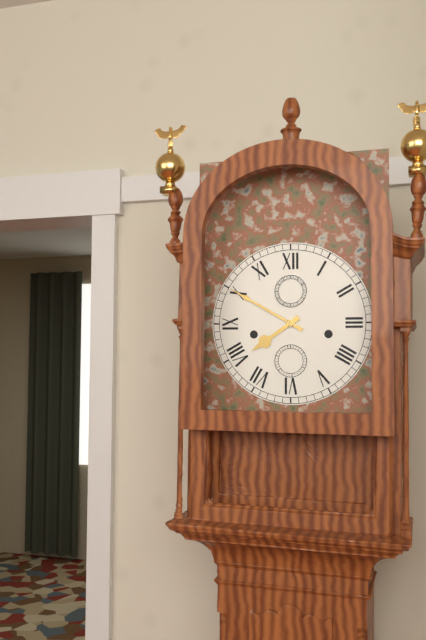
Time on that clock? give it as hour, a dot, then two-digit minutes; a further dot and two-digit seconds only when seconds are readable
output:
7.50
